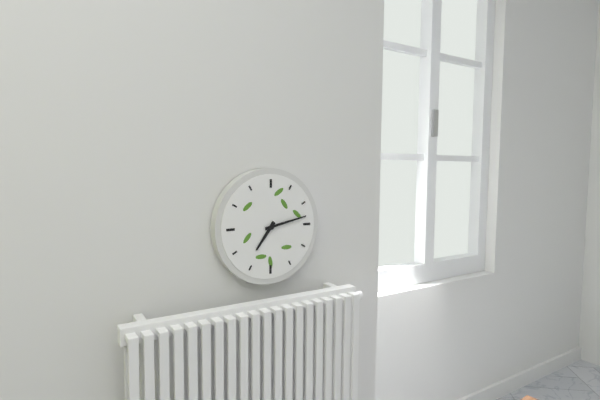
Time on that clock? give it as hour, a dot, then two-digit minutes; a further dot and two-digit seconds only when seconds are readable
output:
7.13
